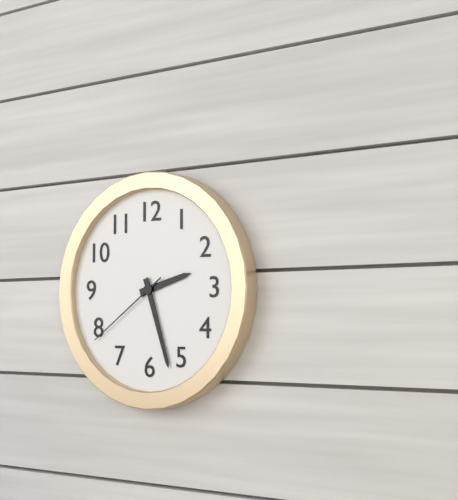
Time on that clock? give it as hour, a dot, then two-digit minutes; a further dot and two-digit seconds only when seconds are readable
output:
2.27.39
